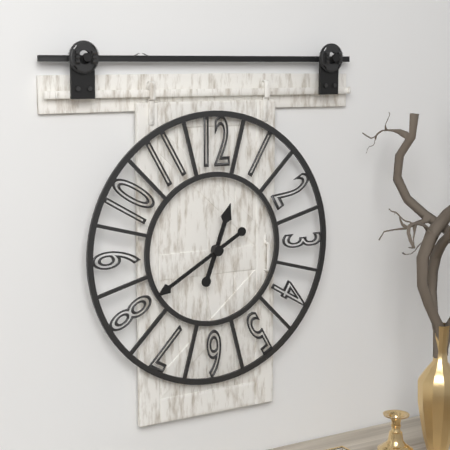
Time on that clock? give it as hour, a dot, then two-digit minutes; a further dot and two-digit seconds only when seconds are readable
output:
12.40
